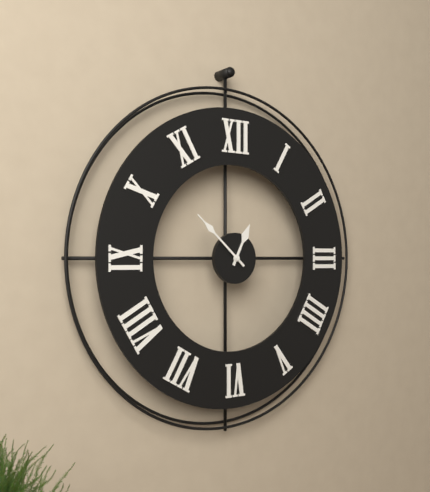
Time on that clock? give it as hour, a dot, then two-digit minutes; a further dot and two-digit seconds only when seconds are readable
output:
12.52
